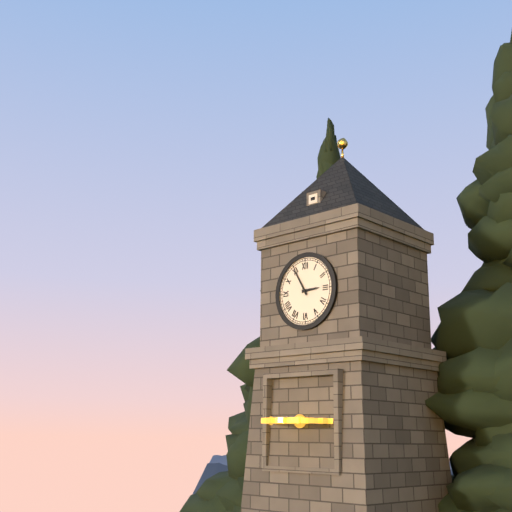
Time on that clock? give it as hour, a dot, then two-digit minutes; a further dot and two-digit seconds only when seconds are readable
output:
2.55
